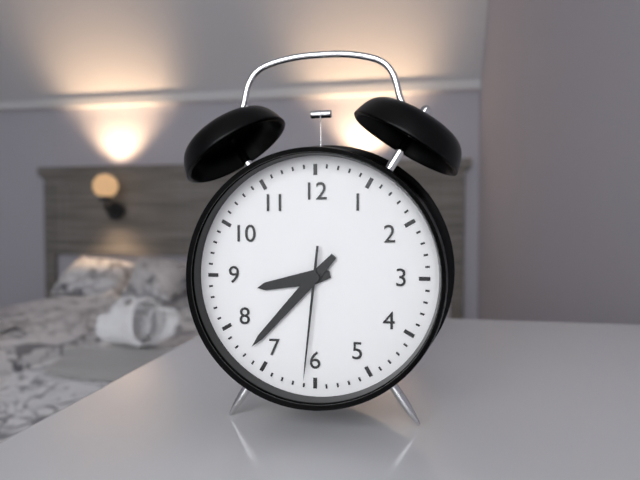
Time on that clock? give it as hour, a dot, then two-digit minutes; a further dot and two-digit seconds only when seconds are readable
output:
8.37.31
